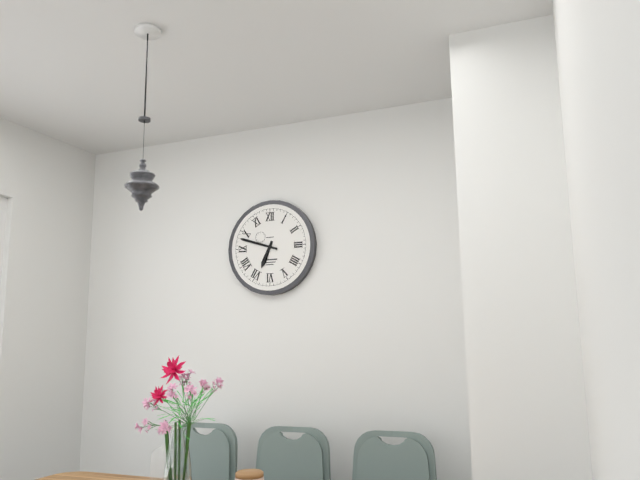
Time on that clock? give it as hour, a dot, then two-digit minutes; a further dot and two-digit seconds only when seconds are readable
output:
6.48
